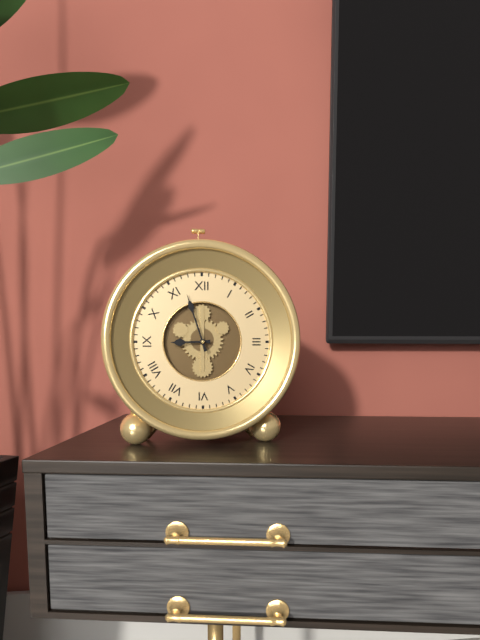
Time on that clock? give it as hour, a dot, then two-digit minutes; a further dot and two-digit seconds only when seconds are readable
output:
8.57
